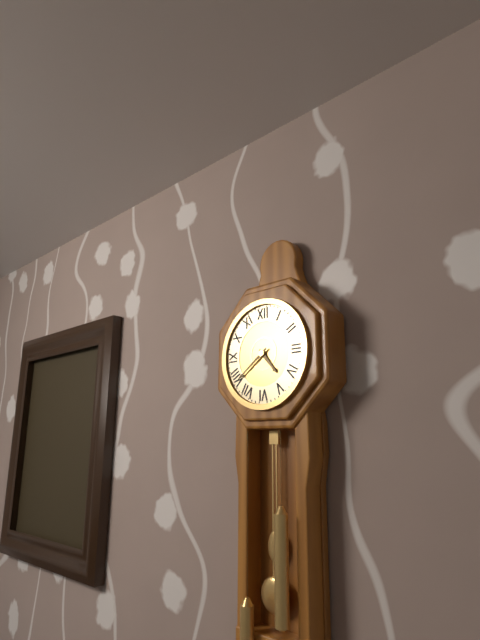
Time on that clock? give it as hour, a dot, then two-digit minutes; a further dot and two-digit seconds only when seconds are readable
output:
4.39
